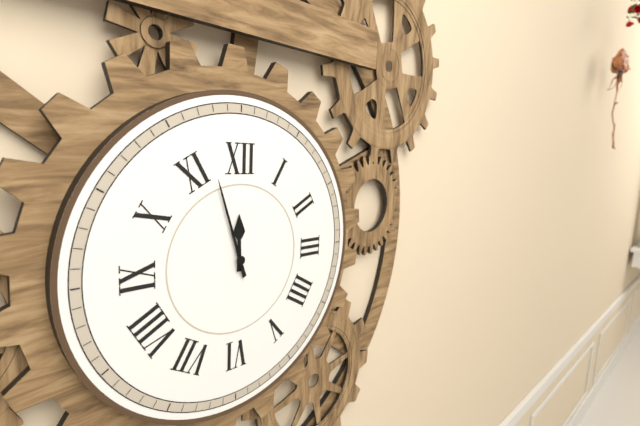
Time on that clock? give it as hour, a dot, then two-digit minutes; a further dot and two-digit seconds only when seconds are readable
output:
11.57
